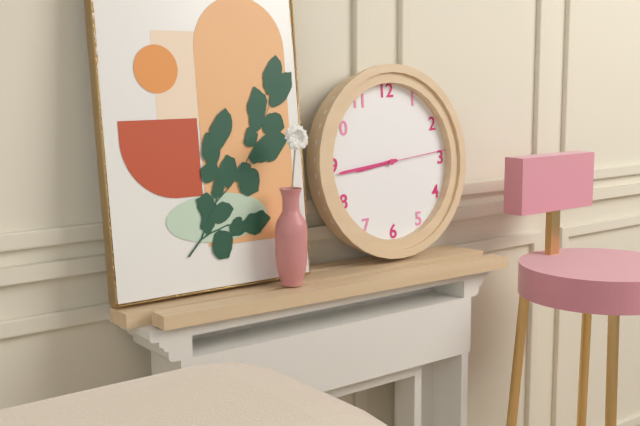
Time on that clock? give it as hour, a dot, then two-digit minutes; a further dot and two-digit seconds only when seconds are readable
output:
8.44.14
